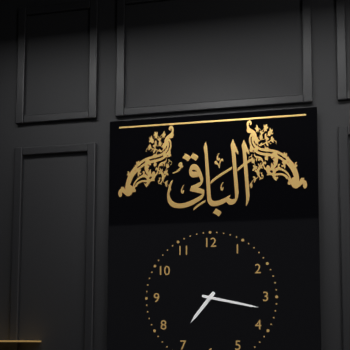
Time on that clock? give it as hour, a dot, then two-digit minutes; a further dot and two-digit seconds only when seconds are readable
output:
7.17
